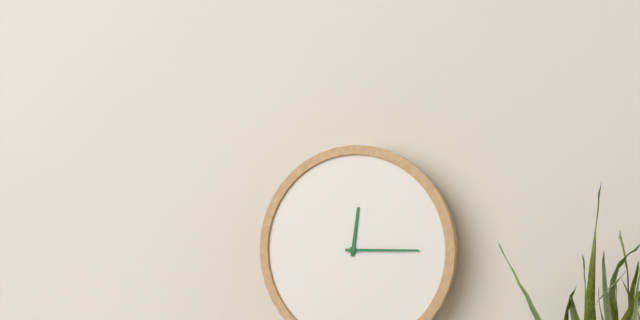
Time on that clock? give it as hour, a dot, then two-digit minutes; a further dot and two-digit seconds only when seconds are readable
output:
12.15
